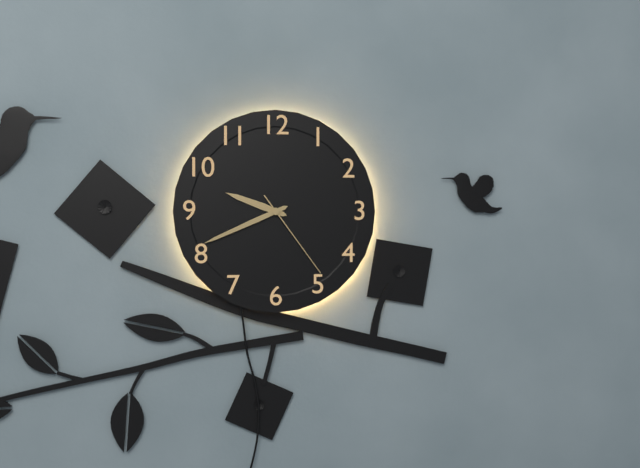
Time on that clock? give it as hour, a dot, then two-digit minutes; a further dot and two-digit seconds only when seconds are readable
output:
9.41.24
